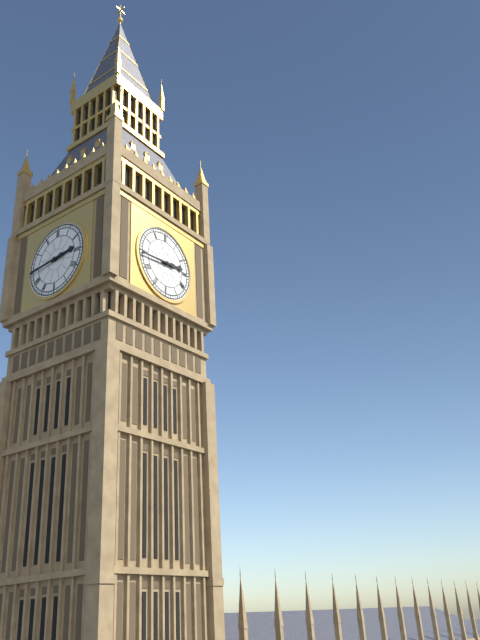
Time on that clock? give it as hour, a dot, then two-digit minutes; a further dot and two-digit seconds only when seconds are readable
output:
2.44
